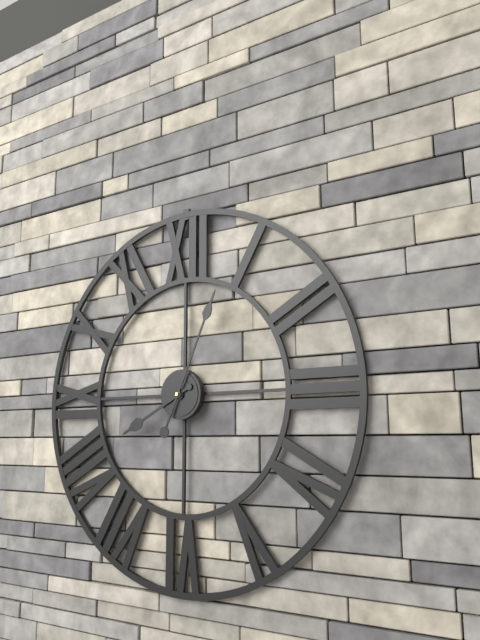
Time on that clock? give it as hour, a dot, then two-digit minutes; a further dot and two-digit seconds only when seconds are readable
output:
8.04
